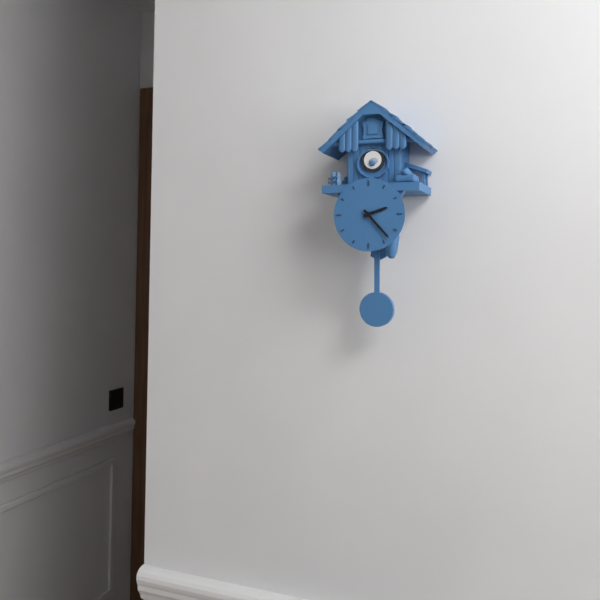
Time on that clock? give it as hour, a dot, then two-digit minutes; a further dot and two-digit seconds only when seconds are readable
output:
2.23
